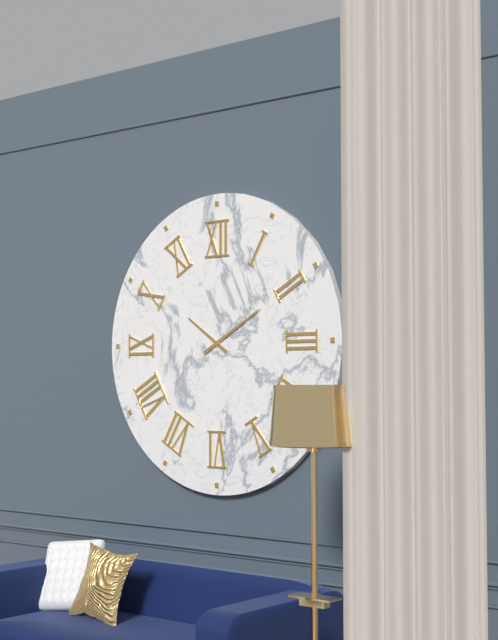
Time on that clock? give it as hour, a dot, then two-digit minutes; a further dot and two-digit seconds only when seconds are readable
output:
10.10
